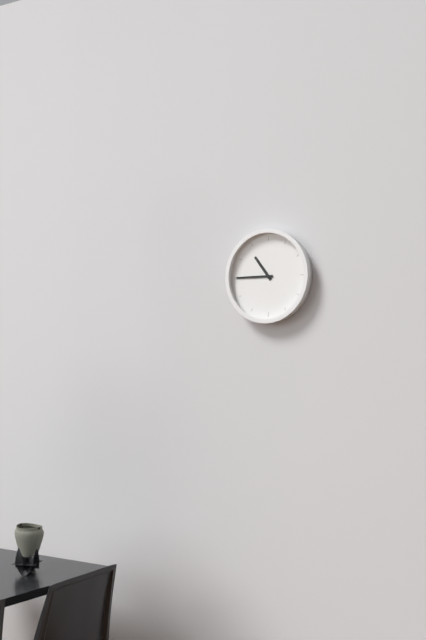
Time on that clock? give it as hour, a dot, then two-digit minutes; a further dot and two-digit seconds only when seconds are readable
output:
10.45
